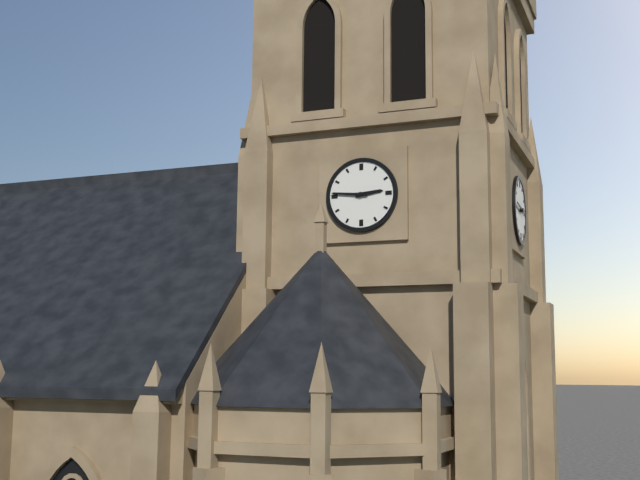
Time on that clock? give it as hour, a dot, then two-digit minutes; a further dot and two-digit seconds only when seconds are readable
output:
2.46
